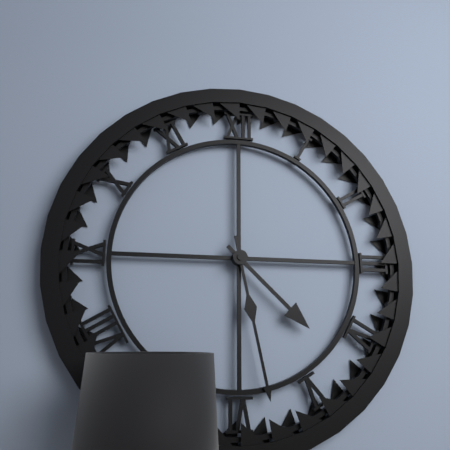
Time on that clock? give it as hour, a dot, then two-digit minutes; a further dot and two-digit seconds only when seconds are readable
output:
4.28
